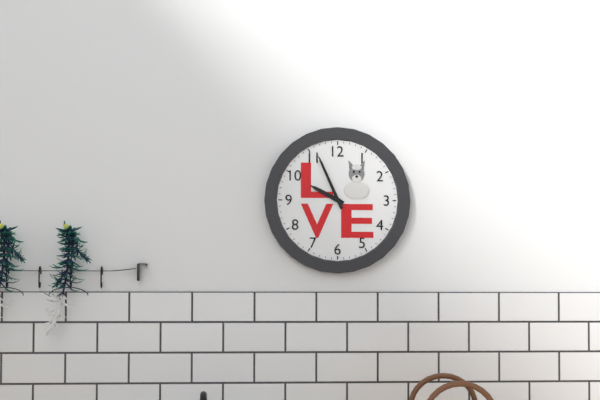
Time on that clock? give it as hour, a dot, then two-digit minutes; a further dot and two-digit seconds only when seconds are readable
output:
9.56
